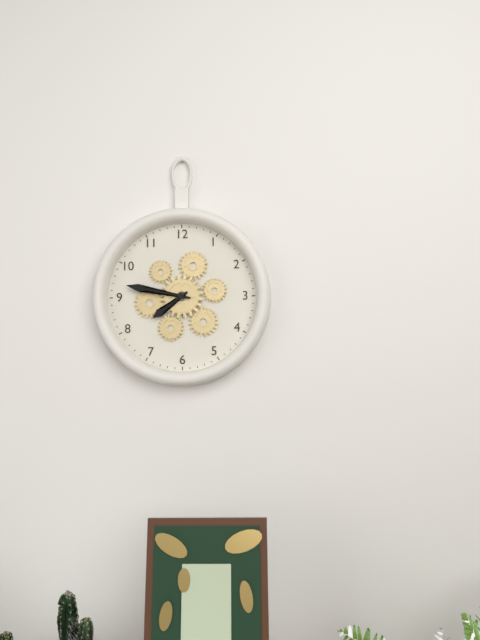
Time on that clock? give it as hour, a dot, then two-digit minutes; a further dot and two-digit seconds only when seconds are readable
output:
7.47
